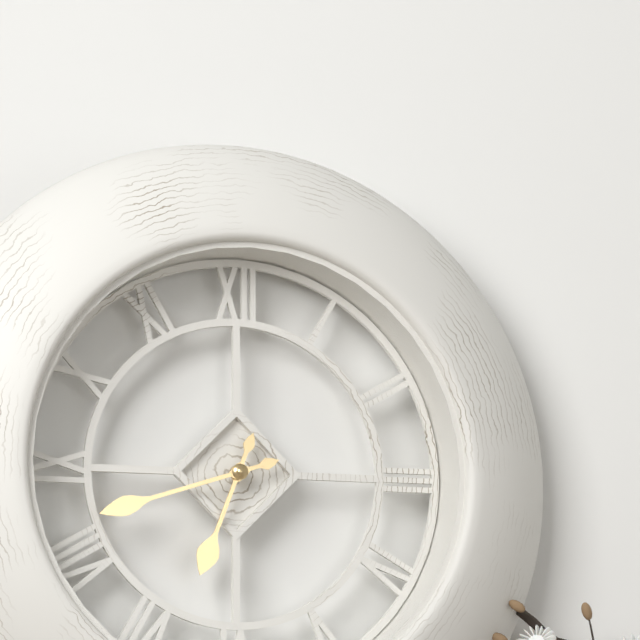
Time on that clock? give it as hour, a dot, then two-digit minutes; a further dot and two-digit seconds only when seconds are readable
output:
6.42
